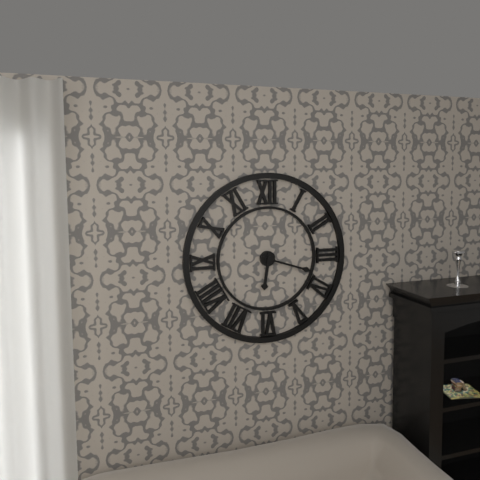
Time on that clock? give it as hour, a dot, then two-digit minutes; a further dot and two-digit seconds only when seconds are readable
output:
6.18
